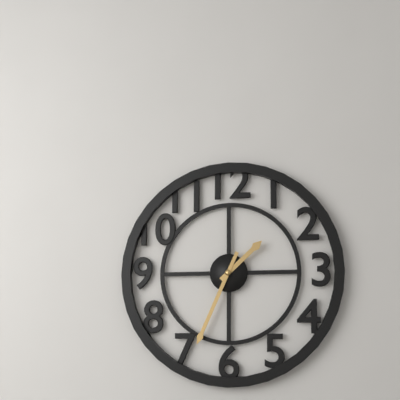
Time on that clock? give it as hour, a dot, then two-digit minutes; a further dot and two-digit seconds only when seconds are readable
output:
1.34
